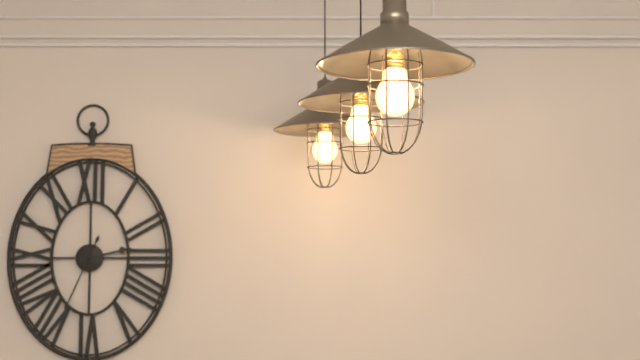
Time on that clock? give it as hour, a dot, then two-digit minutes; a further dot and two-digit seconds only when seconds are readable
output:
2.34
